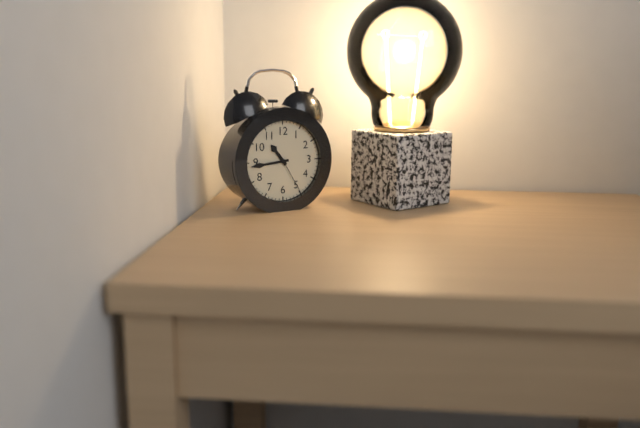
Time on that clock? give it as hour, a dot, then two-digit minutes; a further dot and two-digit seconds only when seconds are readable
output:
10.44
